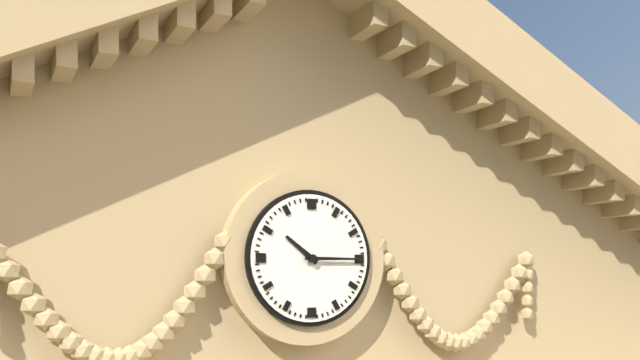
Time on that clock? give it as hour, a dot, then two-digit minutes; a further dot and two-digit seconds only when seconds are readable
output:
10.15
